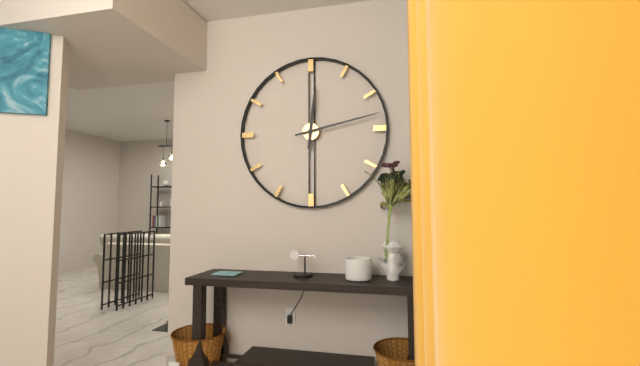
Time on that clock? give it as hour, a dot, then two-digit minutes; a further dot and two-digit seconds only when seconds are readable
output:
12.13
